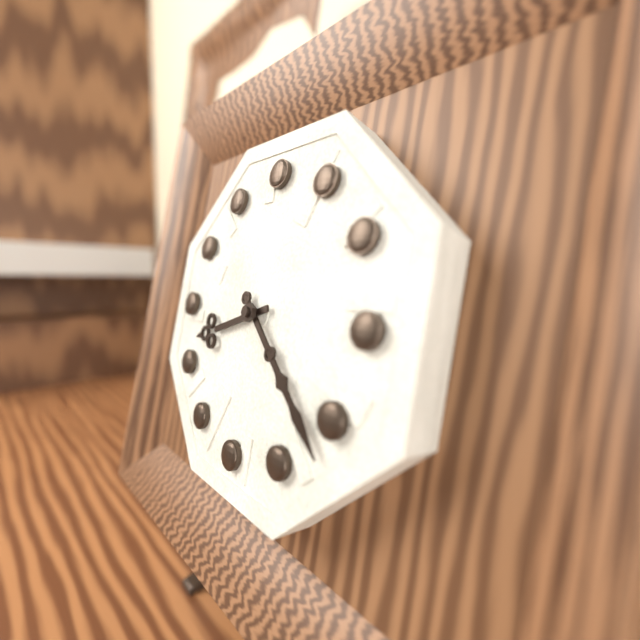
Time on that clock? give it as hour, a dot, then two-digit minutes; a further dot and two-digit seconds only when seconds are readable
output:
8.22
